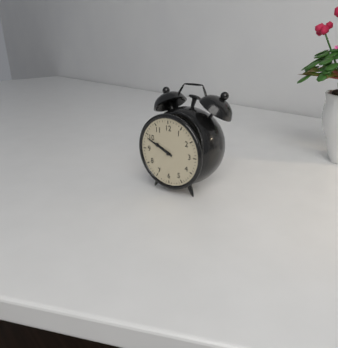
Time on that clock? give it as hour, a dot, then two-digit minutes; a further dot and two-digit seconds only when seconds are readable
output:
9.49
